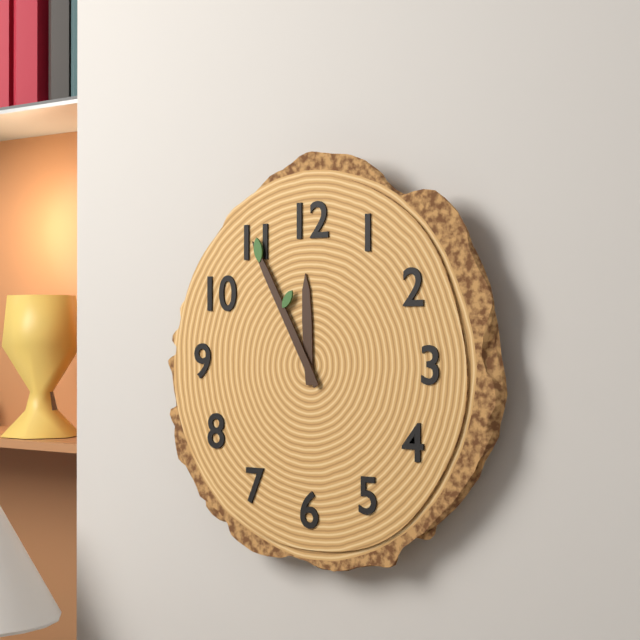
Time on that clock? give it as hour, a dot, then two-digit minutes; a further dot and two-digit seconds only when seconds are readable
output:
11.55
